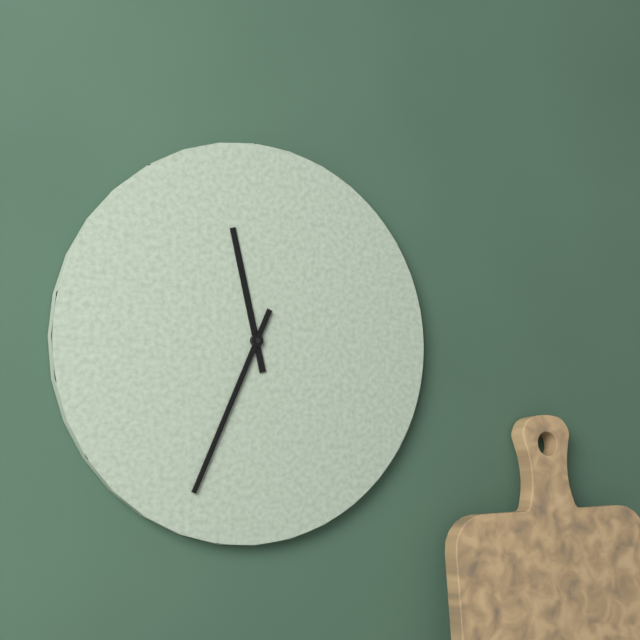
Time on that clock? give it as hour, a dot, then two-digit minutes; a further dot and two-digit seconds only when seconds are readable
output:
11.34
